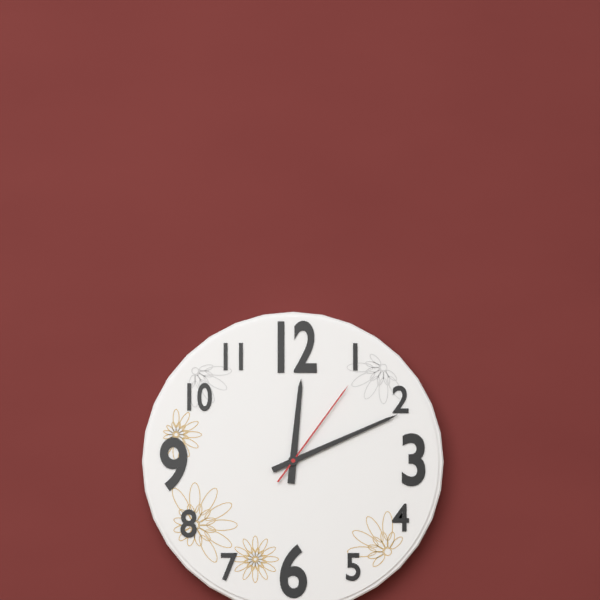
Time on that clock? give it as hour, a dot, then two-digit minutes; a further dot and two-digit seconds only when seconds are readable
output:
12.11.06
